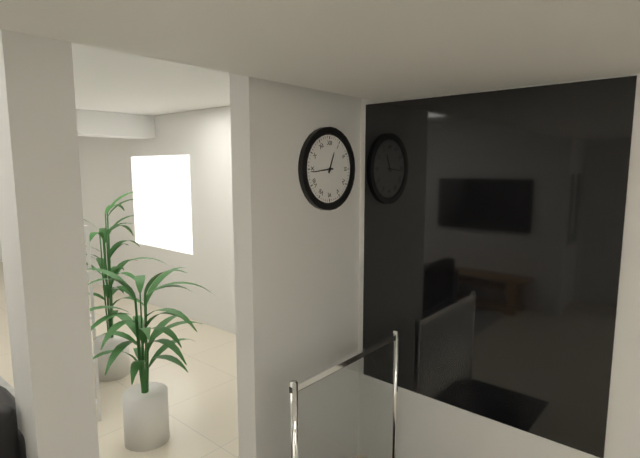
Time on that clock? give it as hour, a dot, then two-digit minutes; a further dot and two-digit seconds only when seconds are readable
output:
12.44
